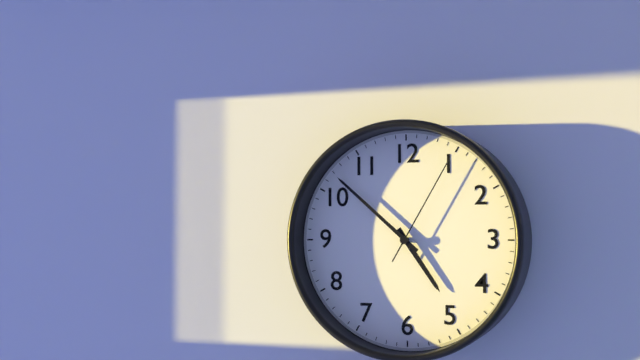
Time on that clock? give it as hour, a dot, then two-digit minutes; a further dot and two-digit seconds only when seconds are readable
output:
4.52.05
